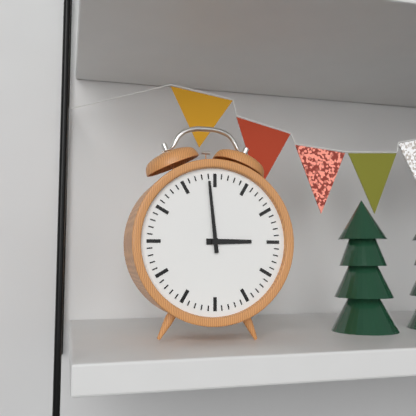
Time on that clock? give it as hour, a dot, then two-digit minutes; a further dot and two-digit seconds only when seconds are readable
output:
2.59
